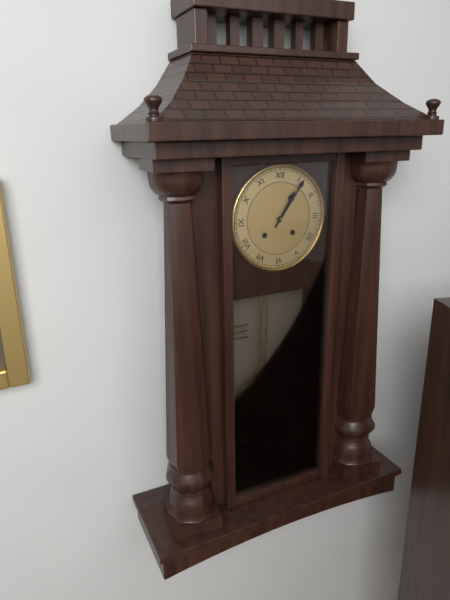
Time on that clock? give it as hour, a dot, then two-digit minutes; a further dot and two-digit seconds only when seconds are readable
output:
1.06
